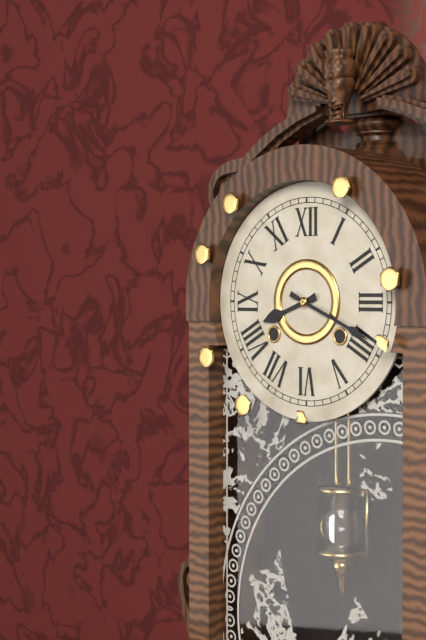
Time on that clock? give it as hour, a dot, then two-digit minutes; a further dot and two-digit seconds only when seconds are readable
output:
8.19
